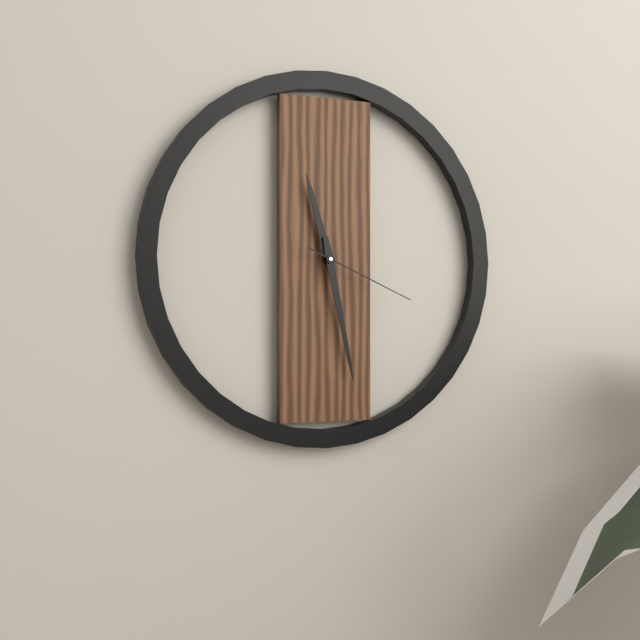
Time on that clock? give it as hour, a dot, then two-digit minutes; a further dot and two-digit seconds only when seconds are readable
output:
11.28.19
